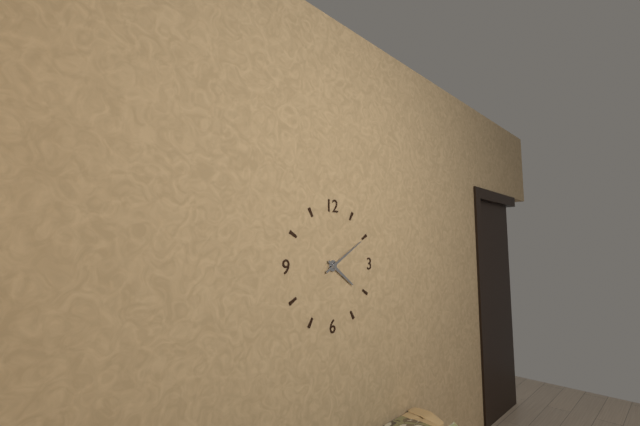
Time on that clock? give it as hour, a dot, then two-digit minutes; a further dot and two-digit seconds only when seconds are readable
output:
4.10
